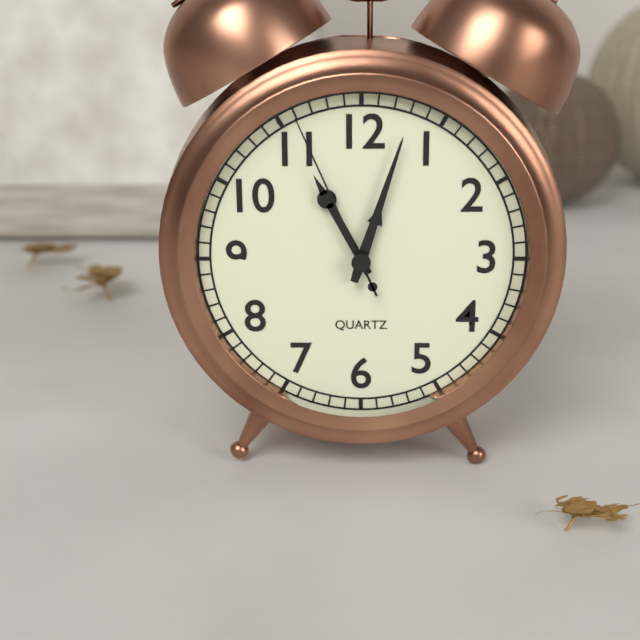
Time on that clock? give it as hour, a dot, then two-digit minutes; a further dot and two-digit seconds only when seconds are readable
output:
11.03.56
